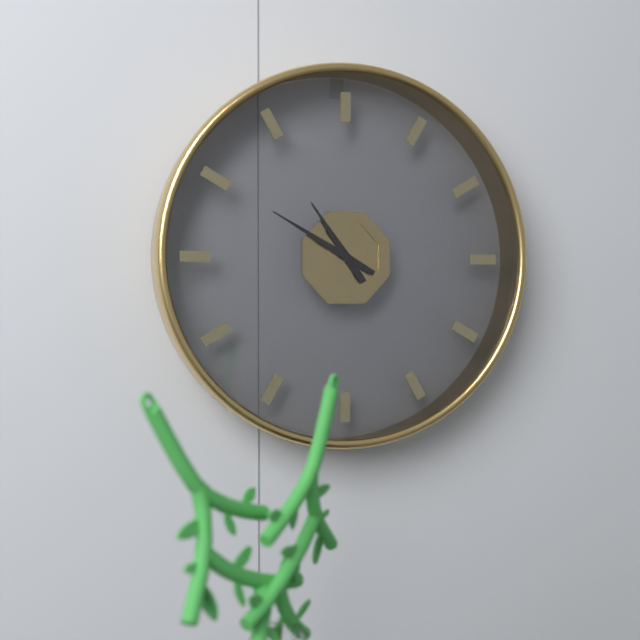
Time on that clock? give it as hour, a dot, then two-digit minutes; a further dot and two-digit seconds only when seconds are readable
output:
10.50
